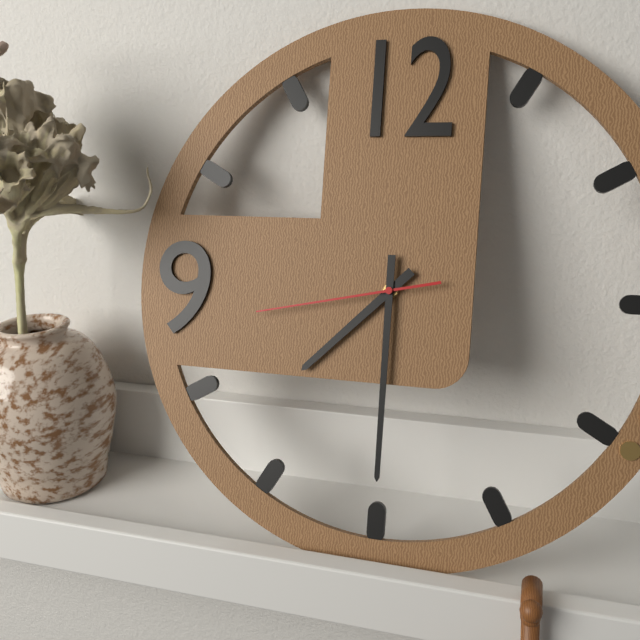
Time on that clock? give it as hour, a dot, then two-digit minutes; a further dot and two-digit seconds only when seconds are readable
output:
7.30.43
